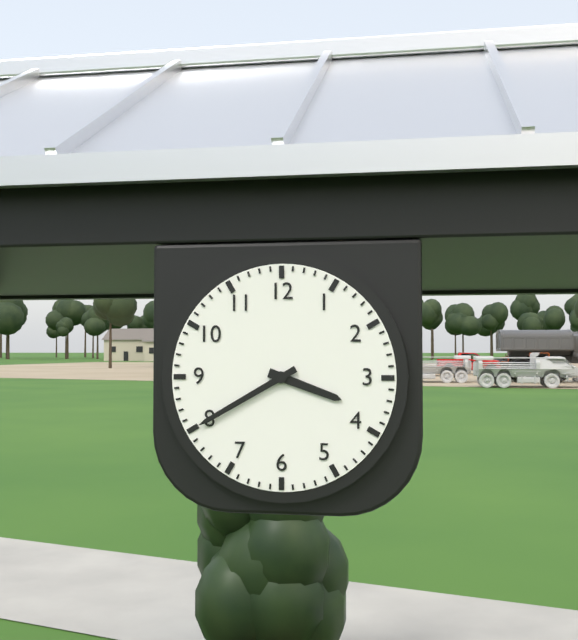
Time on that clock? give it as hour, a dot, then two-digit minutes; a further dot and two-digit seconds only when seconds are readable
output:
3.40
